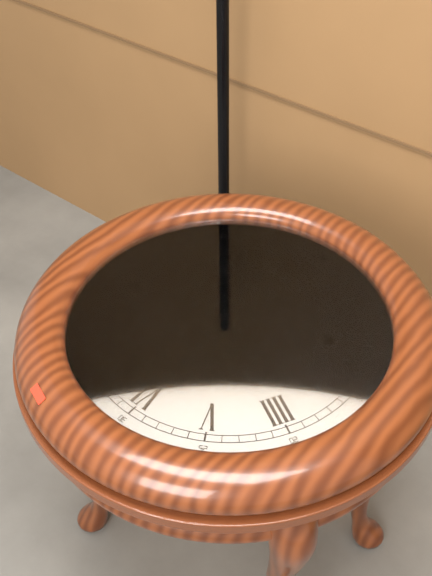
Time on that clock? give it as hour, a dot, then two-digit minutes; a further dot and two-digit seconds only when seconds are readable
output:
9.53
